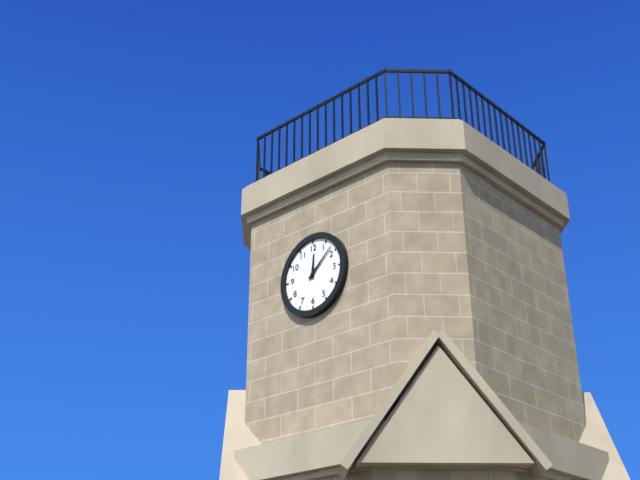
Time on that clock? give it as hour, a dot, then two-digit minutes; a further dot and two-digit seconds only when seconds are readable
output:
12.08
